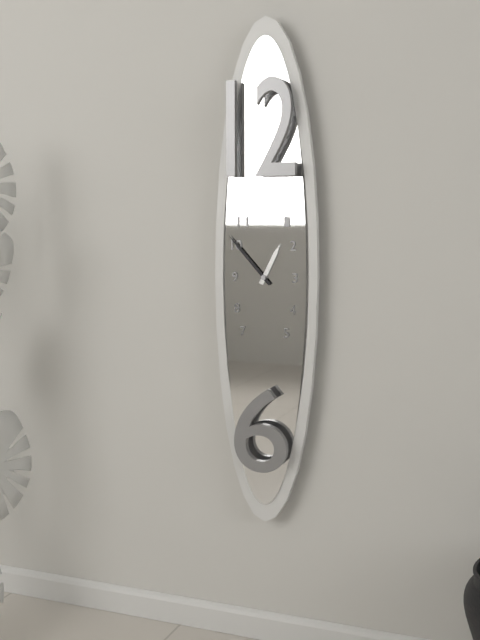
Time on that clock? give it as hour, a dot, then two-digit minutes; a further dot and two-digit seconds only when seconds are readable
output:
12.53
